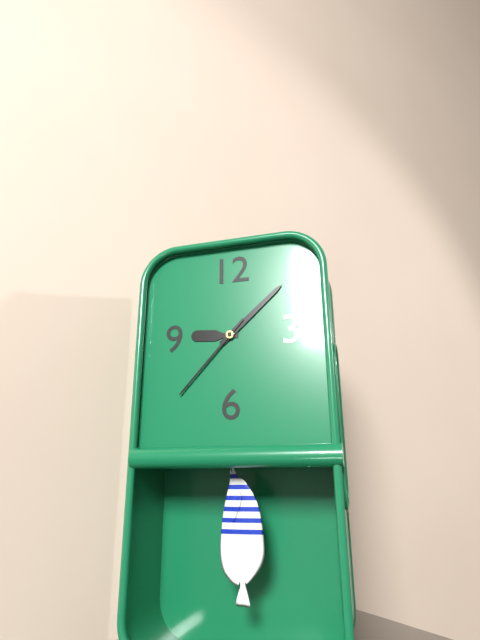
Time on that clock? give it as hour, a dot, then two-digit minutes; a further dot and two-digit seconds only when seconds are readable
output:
9.08.37
